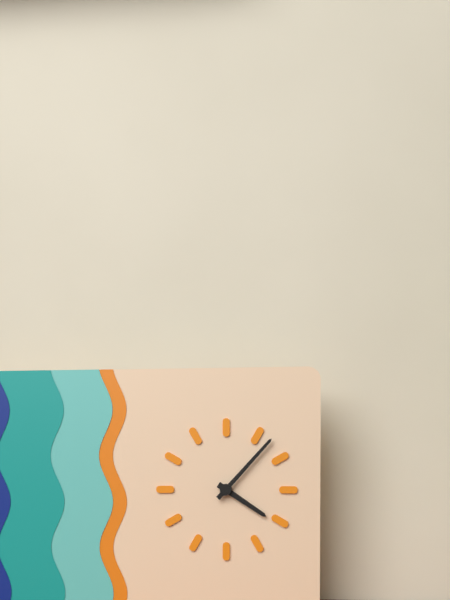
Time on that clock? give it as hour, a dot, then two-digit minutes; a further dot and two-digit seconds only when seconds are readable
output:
4.07
